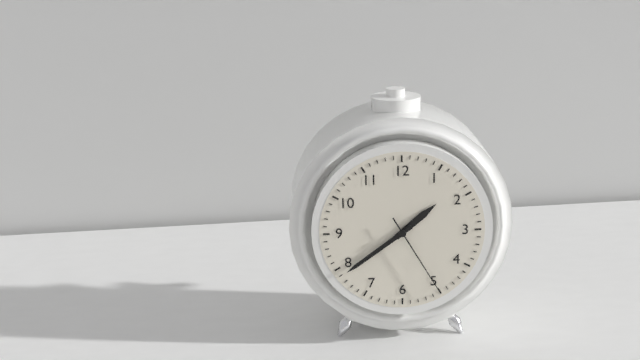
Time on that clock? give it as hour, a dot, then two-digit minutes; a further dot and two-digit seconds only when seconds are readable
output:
1.39.25
